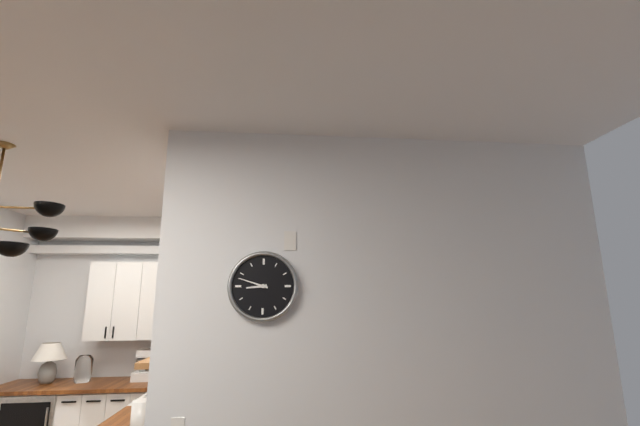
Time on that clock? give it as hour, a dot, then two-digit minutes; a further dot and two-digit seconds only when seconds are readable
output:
8.48
